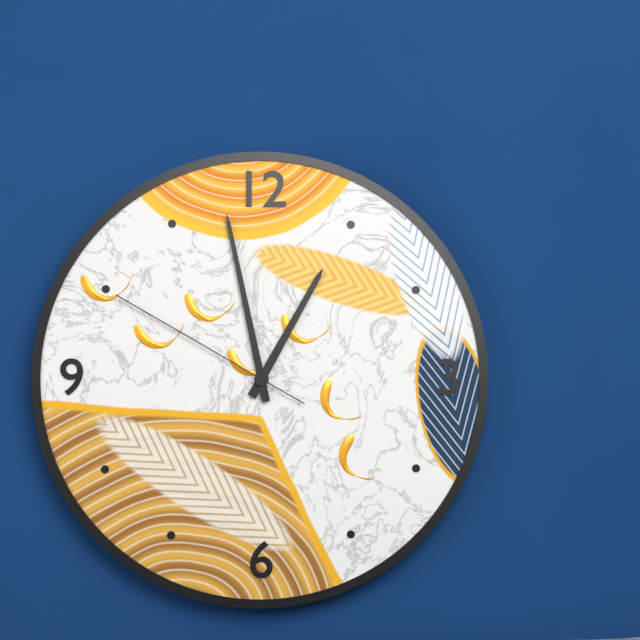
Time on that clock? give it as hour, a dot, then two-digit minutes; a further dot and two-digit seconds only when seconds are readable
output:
12.58.50
